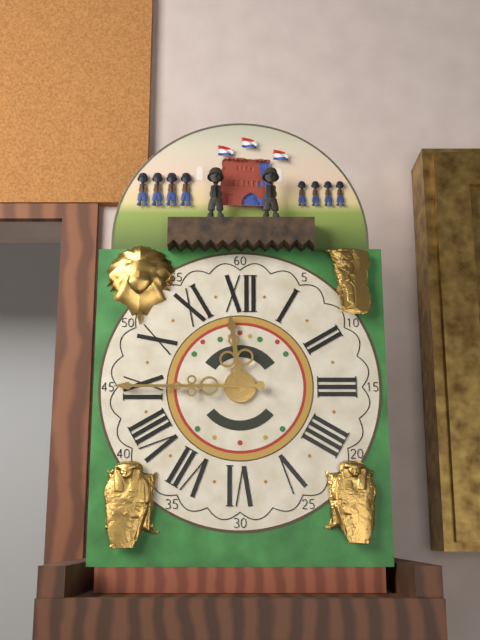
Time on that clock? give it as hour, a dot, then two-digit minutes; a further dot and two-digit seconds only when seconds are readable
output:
11.45
